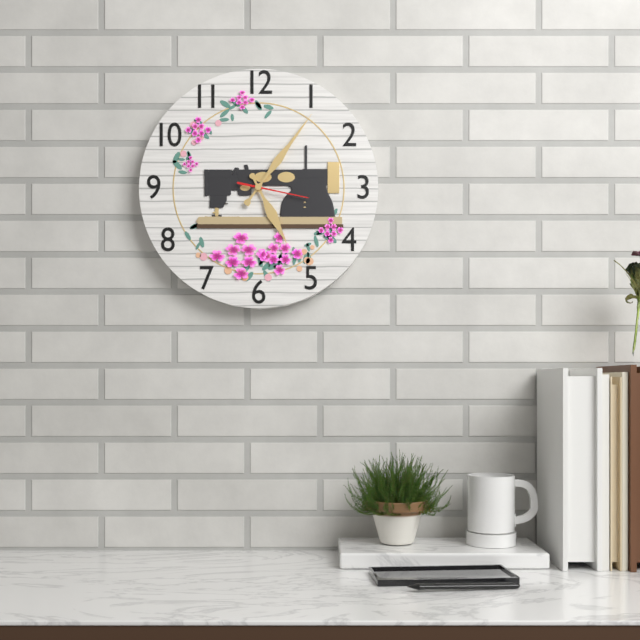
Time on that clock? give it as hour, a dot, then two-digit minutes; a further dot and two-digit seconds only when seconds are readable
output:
5.06.17
